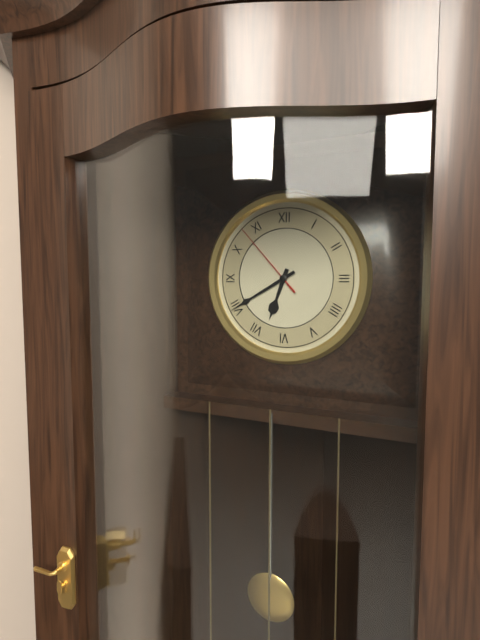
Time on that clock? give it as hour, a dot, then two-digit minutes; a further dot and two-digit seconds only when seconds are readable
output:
6.40.53
